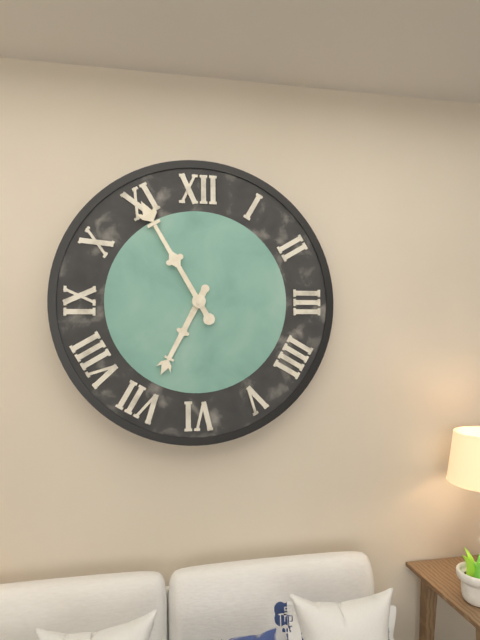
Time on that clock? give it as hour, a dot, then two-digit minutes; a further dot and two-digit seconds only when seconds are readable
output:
6.55
